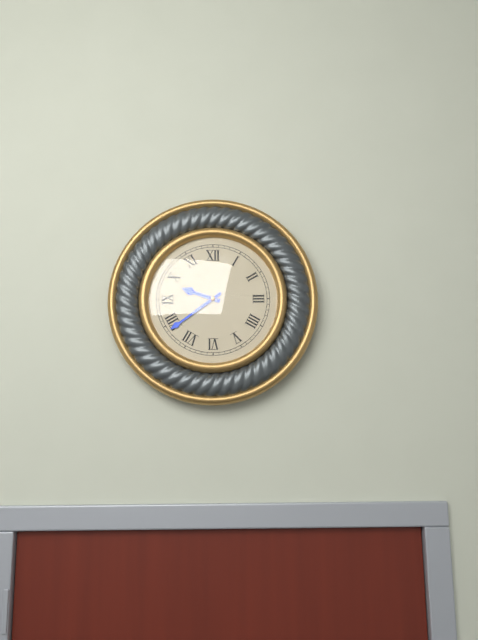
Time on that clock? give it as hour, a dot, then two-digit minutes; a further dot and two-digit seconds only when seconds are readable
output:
9.39
